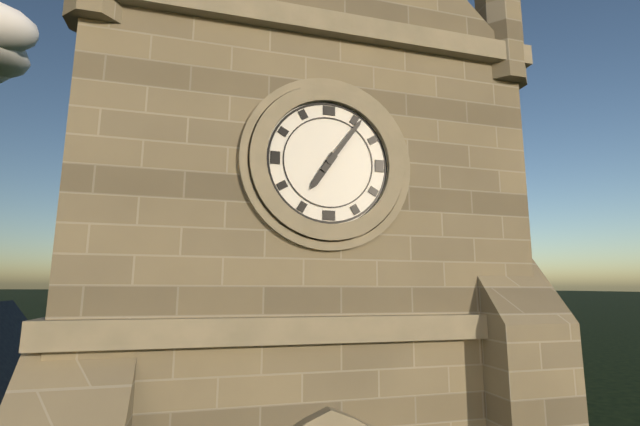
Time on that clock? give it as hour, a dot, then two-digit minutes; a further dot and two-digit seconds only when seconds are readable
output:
7.06
